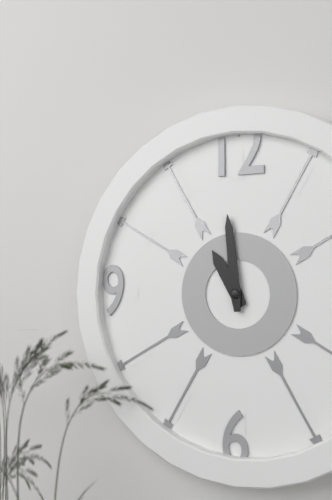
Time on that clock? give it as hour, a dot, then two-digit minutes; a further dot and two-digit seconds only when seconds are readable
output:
10.59
